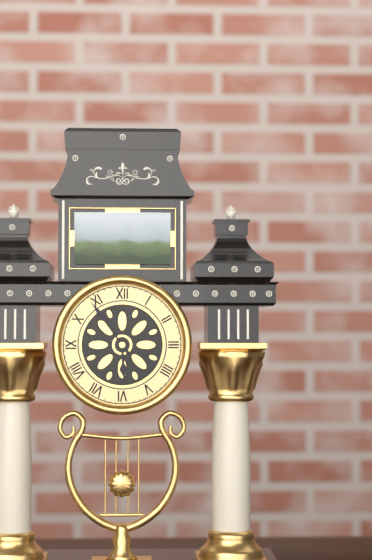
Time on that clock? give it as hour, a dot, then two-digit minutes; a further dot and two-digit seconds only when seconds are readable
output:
5.54
